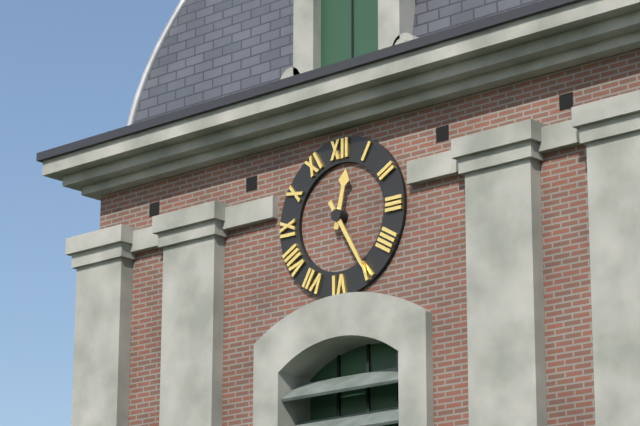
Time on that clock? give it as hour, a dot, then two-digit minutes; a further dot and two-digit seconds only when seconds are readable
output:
12.25
